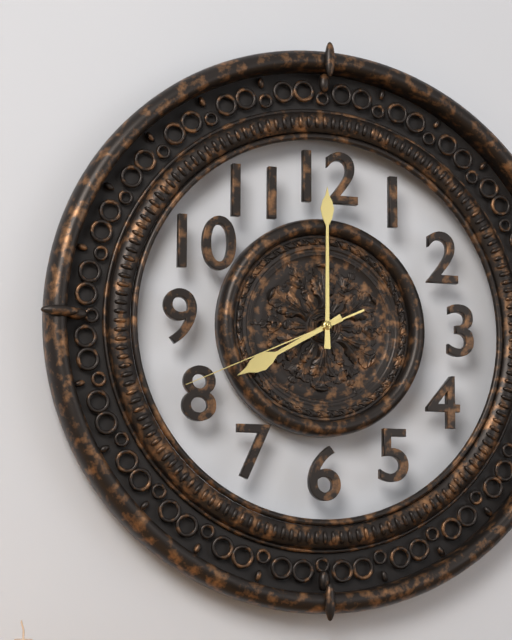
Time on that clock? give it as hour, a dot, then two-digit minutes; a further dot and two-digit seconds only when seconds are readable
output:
8.00.41
